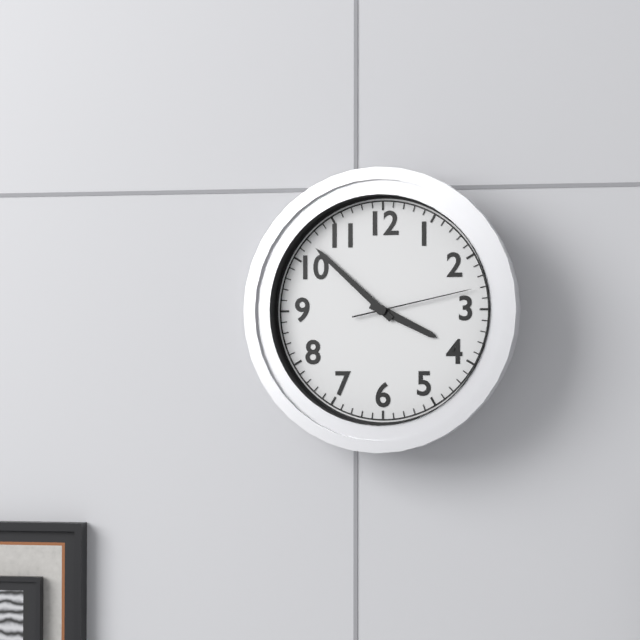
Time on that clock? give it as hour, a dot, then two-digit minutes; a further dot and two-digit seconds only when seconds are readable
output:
3.52.13
